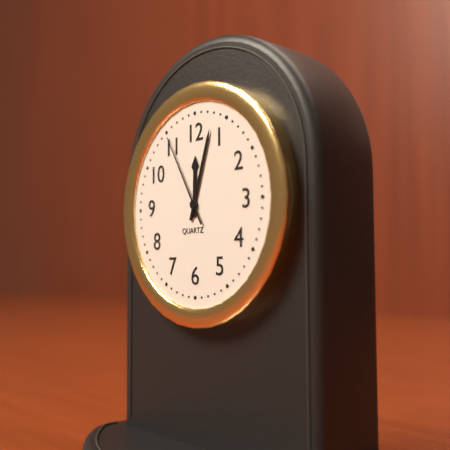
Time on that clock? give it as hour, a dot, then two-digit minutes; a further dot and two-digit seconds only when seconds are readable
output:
12.03.55
